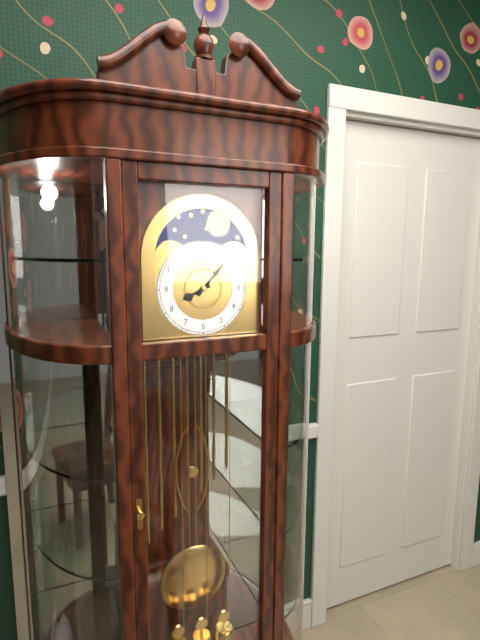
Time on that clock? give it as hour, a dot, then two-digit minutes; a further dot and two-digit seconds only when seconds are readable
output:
8.07
